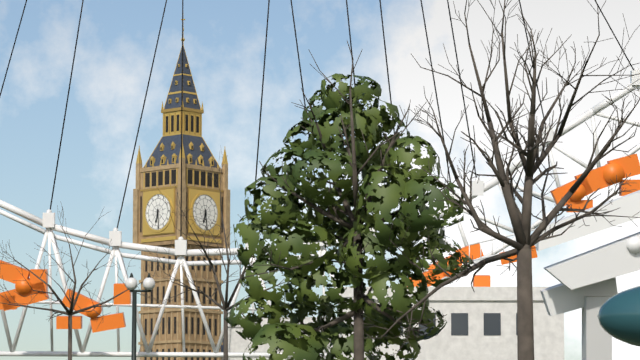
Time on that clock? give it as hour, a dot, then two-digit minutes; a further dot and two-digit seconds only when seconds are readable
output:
6.29
